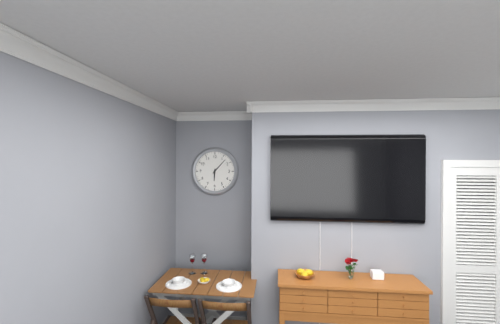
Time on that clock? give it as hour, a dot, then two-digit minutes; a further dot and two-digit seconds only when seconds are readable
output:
6.07
